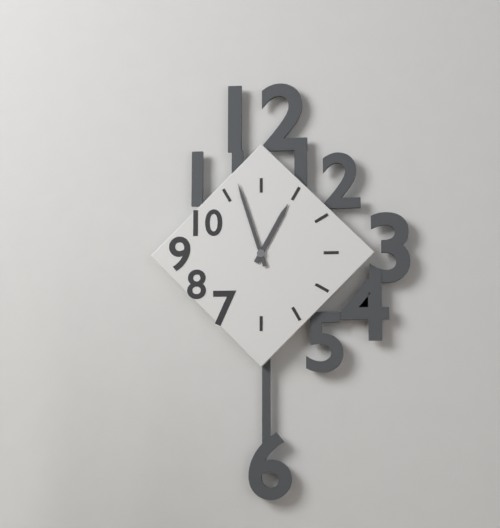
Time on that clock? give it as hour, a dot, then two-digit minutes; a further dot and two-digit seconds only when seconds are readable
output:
12.57
